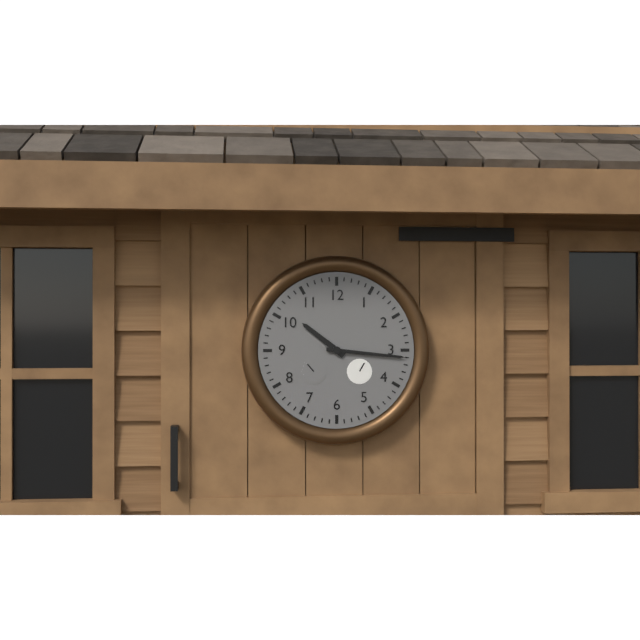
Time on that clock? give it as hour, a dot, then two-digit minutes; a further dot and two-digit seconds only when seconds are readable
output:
10.16
